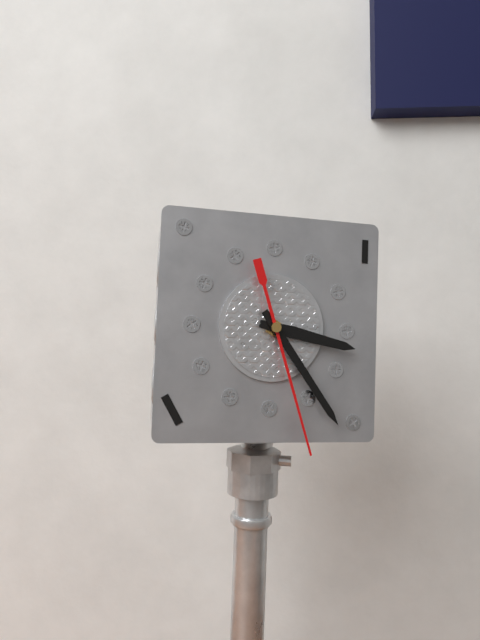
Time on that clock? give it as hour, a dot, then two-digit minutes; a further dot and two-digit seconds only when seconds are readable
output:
3.24.27
